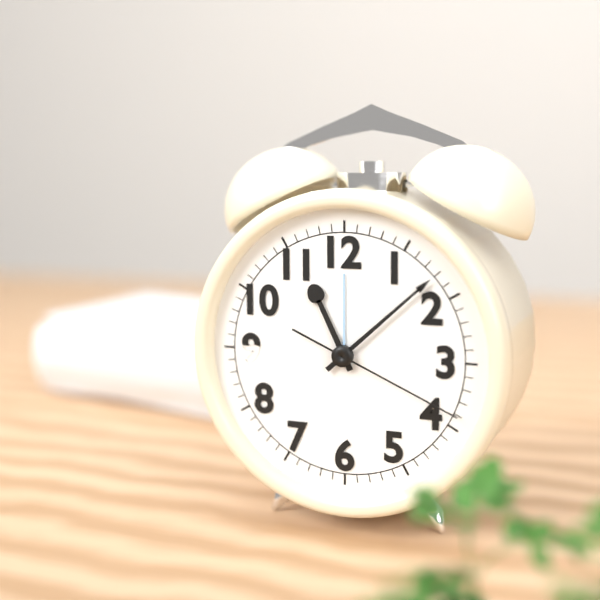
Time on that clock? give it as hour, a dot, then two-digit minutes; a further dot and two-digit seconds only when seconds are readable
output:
11.08.19
